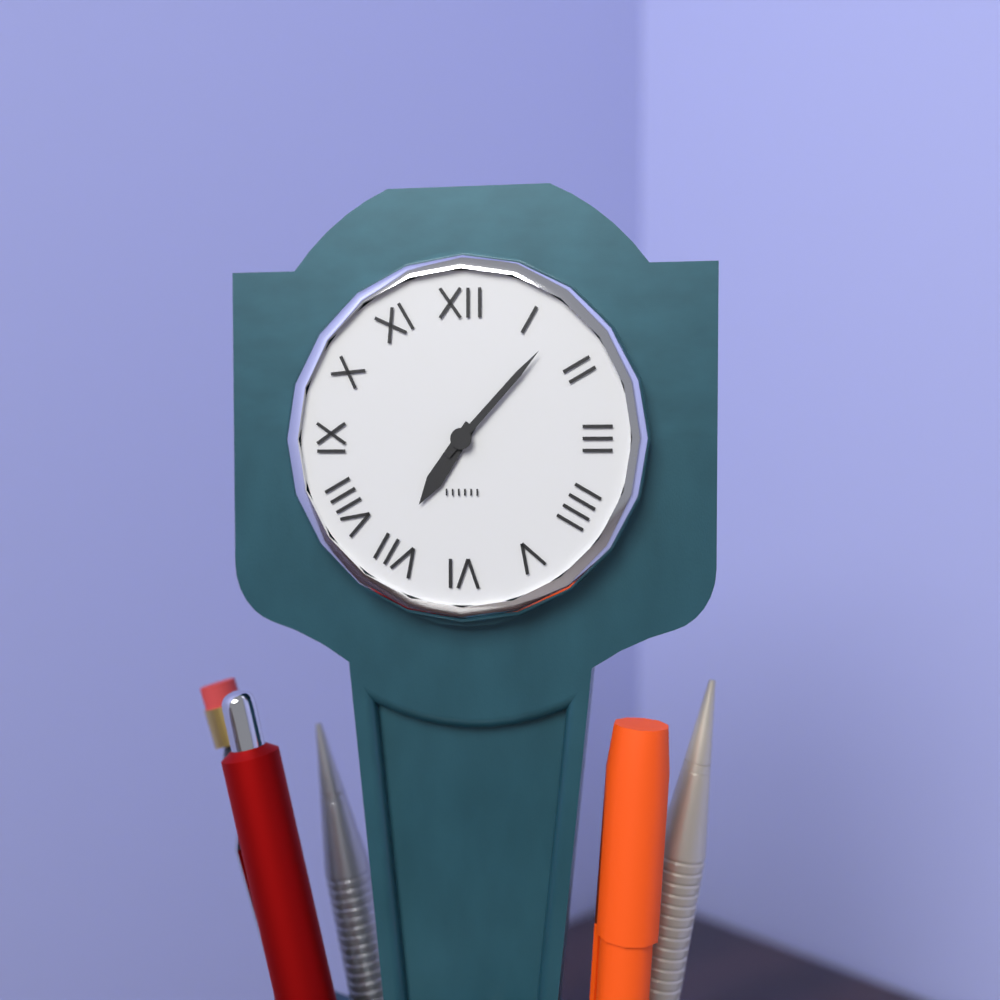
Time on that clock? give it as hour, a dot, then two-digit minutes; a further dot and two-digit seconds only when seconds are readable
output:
7.07
